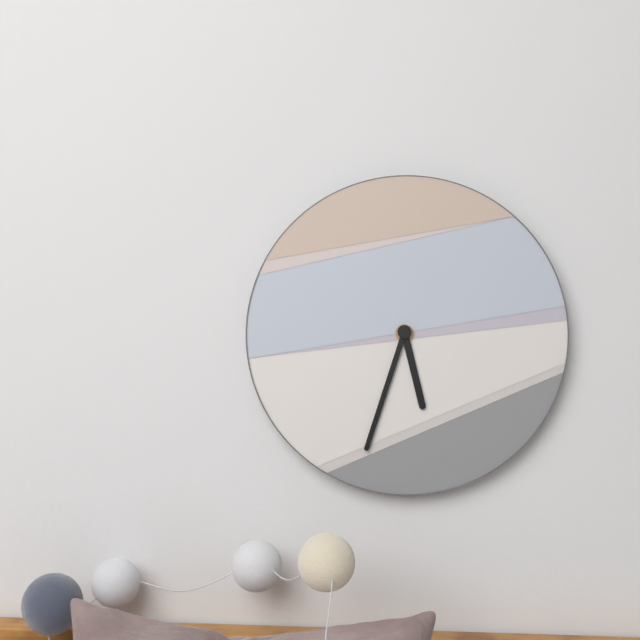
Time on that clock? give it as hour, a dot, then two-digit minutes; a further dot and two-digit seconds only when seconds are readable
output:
5.33
